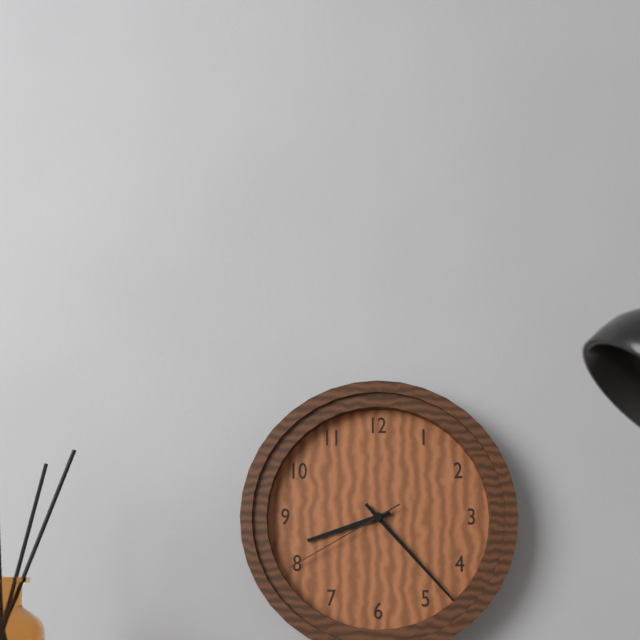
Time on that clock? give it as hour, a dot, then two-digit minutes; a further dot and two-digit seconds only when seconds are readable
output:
8.23.40
